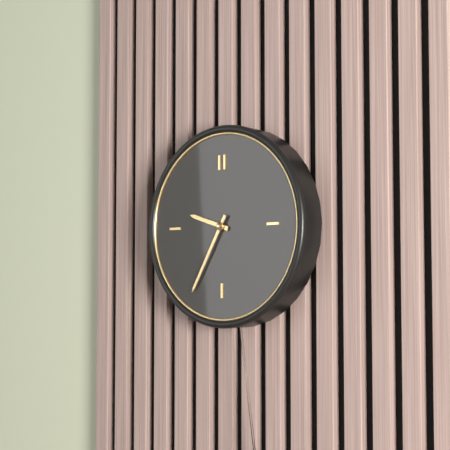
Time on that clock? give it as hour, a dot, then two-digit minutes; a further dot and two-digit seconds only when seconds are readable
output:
9.35
